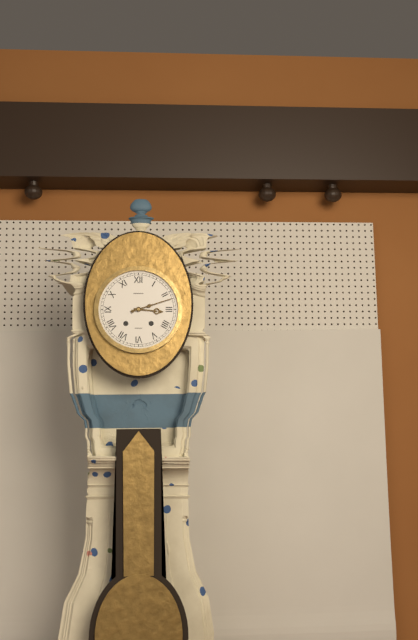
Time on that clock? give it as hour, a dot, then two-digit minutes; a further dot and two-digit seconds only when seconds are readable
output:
3.12
